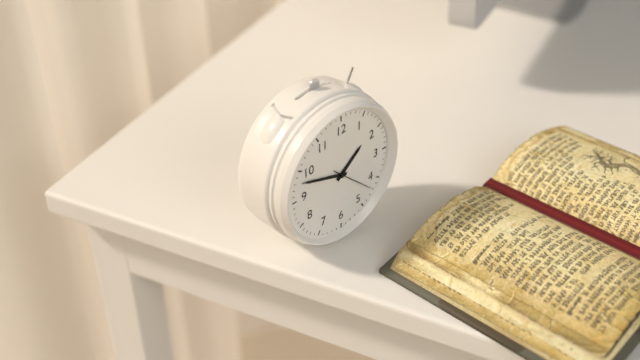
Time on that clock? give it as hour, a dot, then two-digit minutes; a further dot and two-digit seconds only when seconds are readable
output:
1.48
